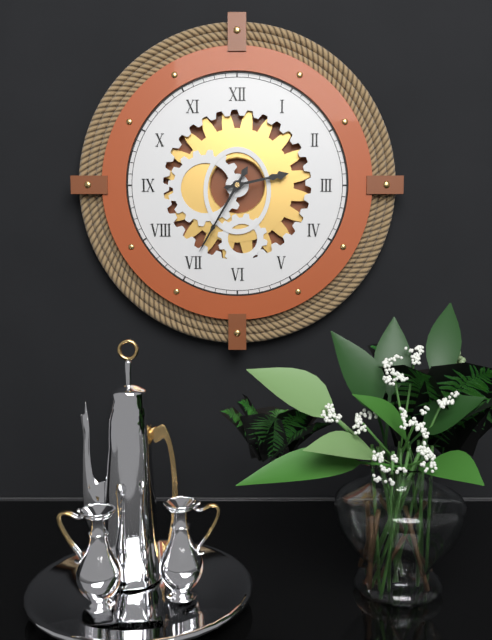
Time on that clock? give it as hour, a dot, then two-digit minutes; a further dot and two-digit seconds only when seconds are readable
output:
2.35
